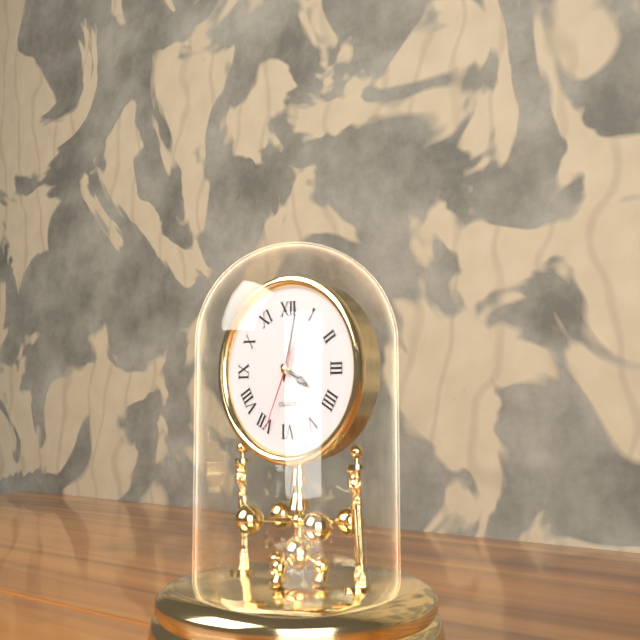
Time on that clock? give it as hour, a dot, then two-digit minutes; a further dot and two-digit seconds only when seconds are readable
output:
4.02.34
